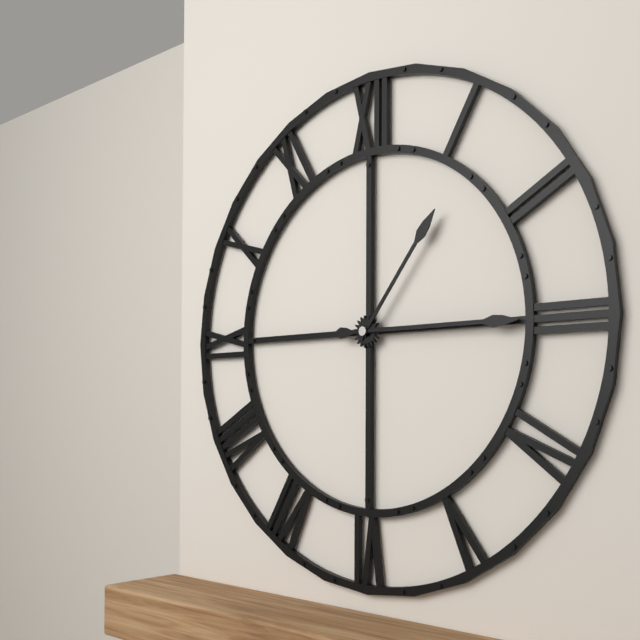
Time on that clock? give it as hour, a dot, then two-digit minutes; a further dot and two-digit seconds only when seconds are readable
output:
1.15
